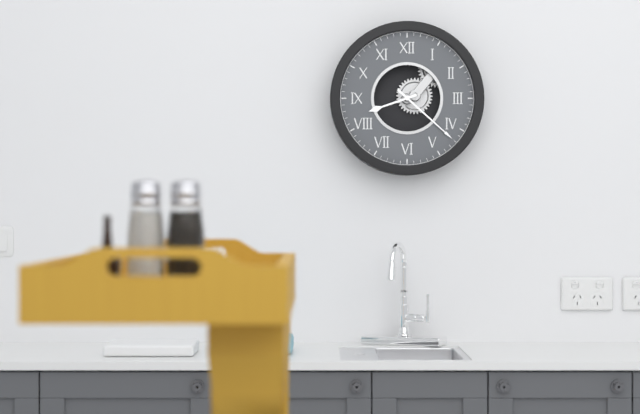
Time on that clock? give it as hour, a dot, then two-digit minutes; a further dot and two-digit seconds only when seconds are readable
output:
8.22
